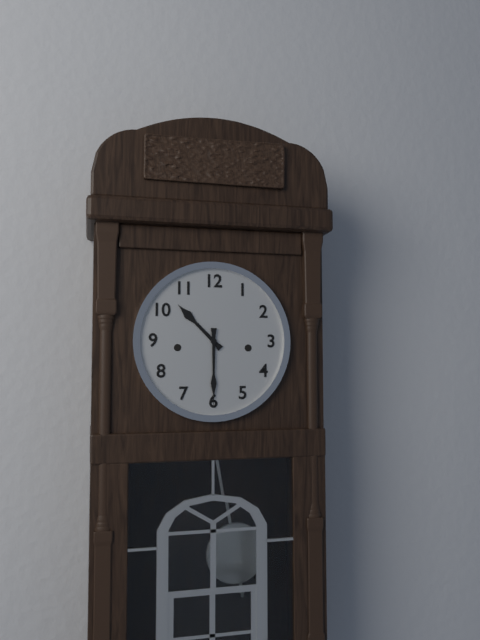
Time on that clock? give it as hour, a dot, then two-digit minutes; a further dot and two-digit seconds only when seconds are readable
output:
10.30
